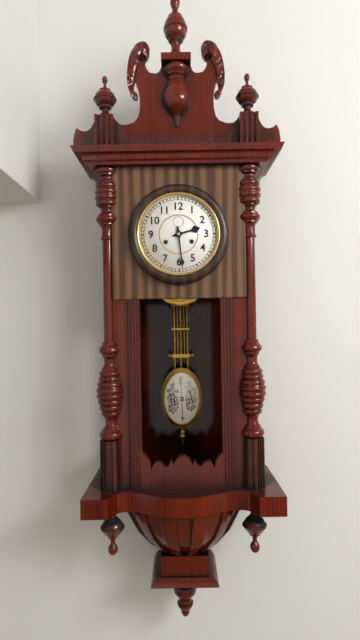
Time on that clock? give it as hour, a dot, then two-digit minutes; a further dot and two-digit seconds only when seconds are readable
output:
2.29
